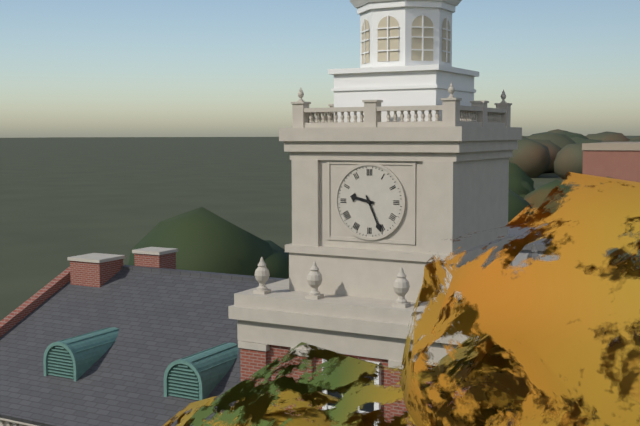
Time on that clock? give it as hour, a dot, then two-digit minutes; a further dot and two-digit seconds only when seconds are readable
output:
9.26
